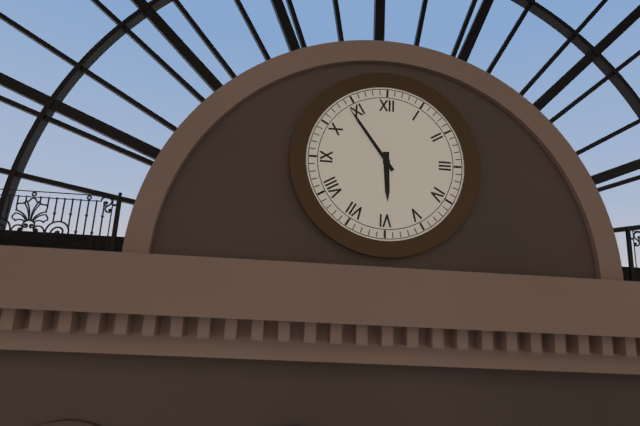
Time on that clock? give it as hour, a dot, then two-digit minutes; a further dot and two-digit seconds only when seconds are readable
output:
5.54
